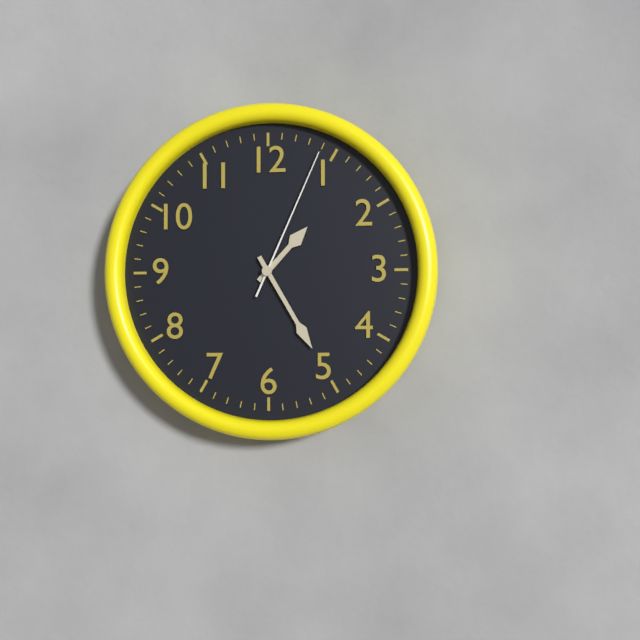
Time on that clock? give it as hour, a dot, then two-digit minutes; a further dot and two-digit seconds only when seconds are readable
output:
1.25.04
